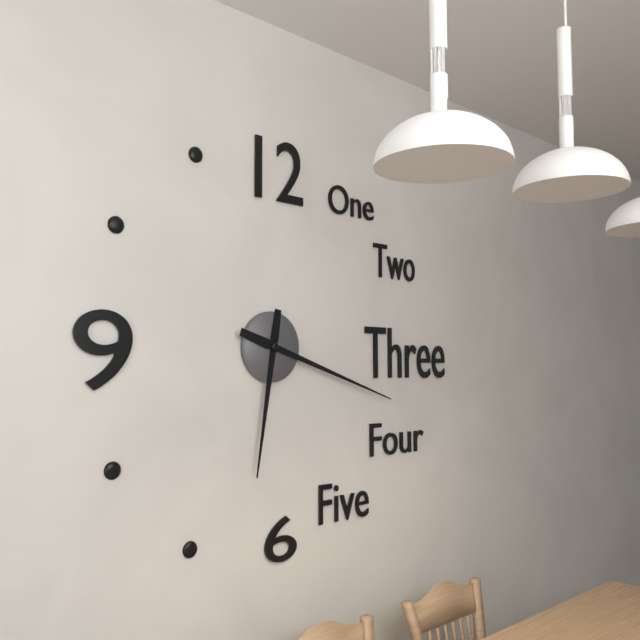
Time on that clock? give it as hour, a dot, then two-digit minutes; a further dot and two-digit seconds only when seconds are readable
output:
6.18
